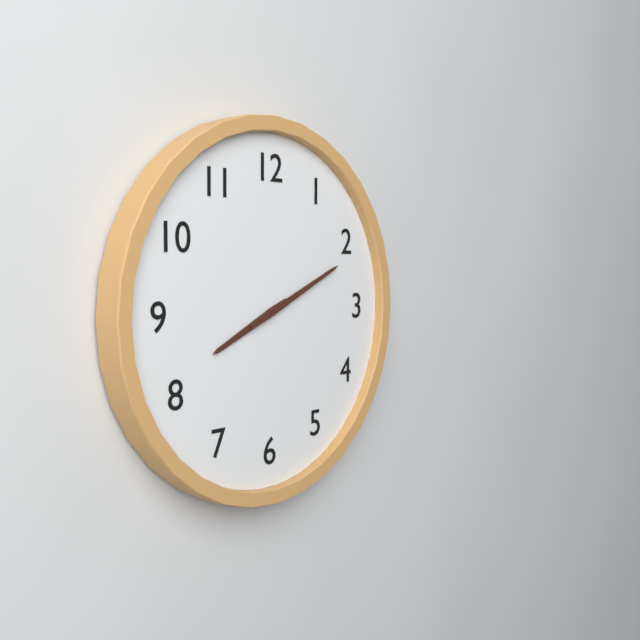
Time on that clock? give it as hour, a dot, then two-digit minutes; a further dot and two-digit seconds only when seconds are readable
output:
8.11
